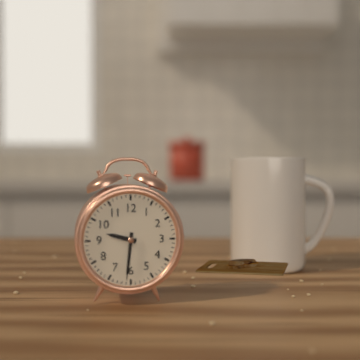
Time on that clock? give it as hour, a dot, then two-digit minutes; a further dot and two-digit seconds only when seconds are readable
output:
9.31
